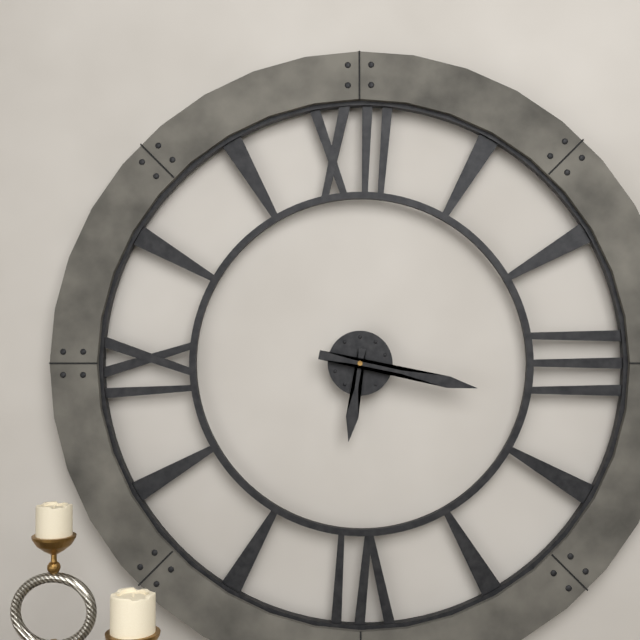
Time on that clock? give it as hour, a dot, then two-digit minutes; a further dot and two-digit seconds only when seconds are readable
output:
6.17
